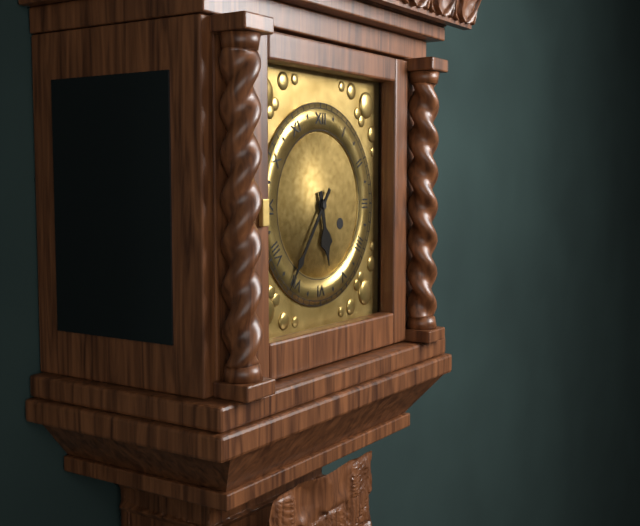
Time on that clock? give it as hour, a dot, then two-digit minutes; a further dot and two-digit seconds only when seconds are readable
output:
5.36
